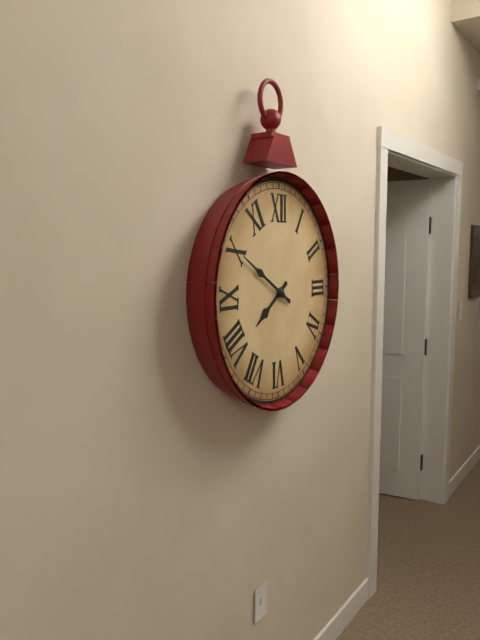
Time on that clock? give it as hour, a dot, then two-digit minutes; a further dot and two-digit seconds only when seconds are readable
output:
7.50
